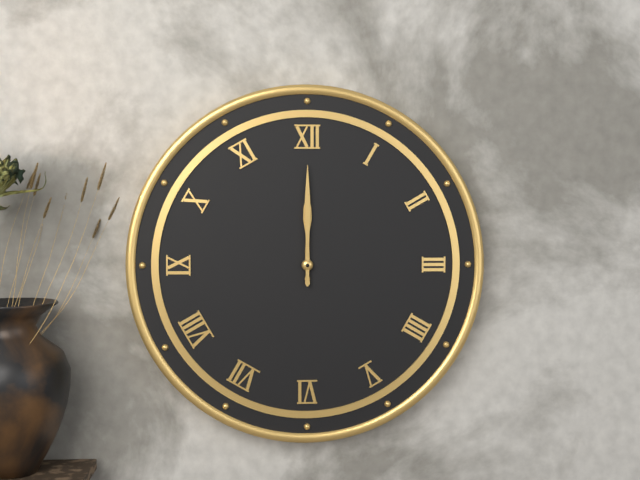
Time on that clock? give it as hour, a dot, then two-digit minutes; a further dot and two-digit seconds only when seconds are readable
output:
12.00
